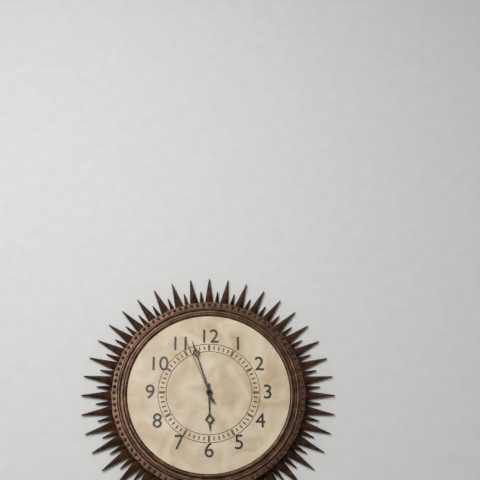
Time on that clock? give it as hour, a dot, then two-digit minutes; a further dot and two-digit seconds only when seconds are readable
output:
5.57.56
